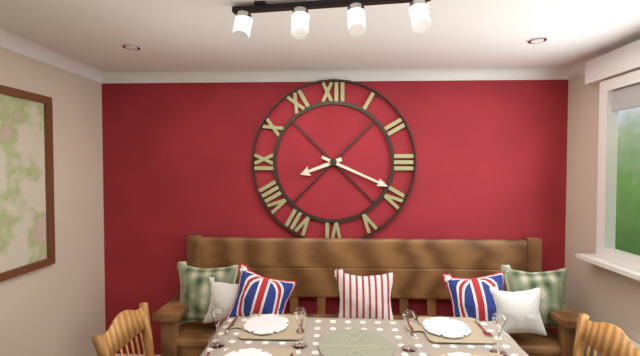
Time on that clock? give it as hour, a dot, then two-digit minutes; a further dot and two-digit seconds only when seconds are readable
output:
8.19
